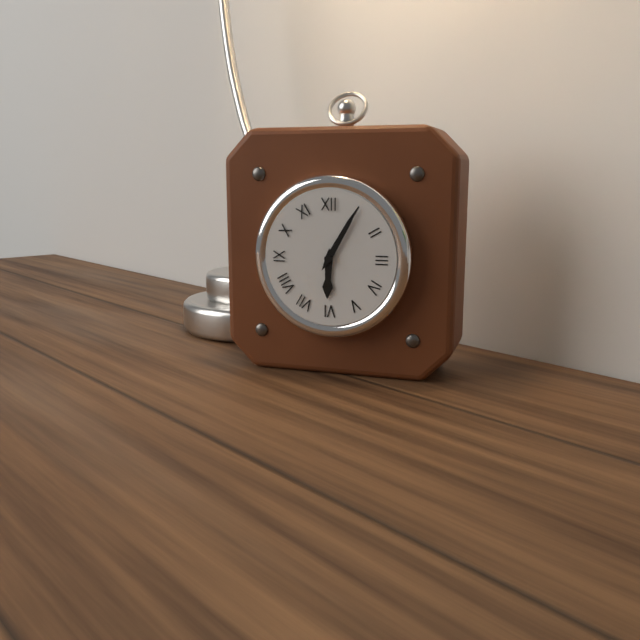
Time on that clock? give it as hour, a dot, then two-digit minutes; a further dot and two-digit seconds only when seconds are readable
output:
6.05
